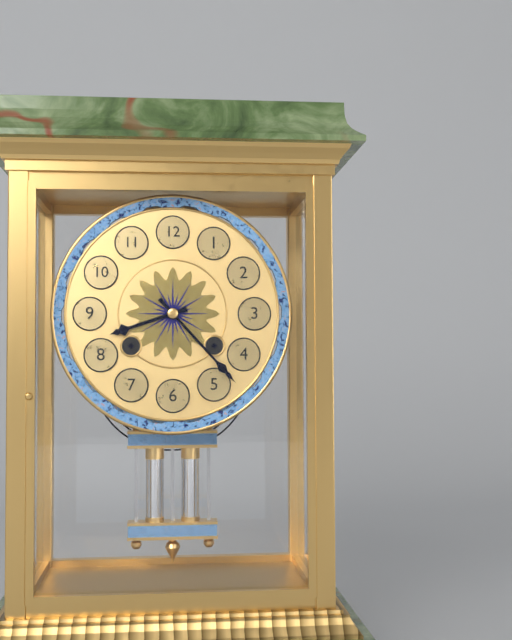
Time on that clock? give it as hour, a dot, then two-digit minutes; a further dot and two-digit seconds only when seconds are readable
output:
8.23
